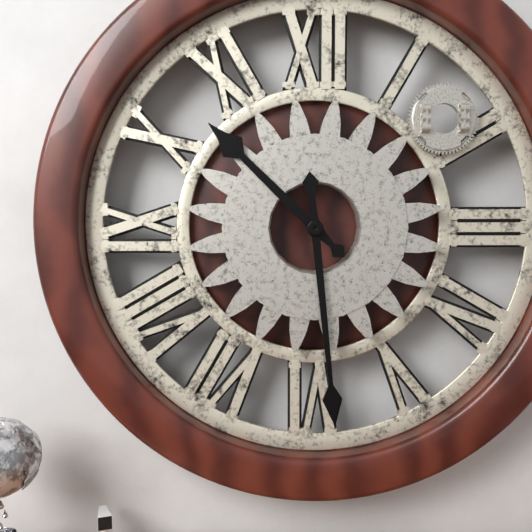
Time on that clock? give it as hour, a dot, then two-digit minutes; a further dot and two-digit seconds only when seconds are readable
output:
10.29
